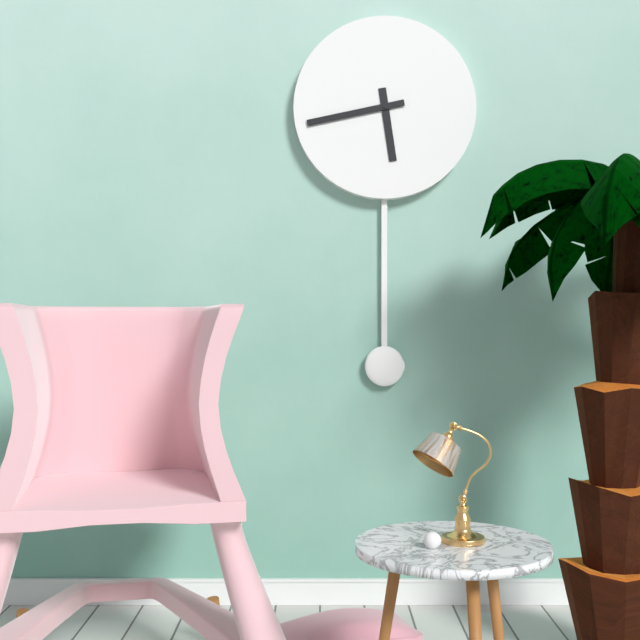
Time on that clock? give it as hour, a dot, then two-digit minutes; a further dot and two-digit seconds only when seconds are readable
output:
5.43
